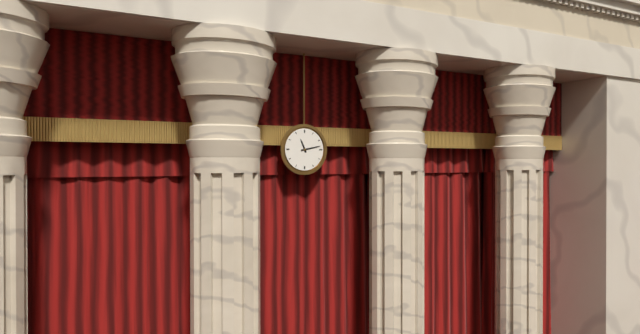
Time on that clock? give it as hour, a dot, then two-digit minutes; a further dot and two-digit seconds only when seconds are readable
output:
11.13
